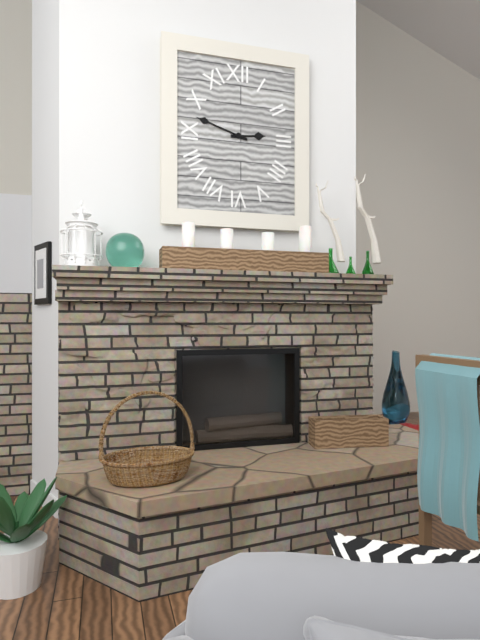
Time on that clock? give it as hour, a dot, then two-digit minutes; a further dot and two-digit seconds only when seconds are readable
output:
2.48
